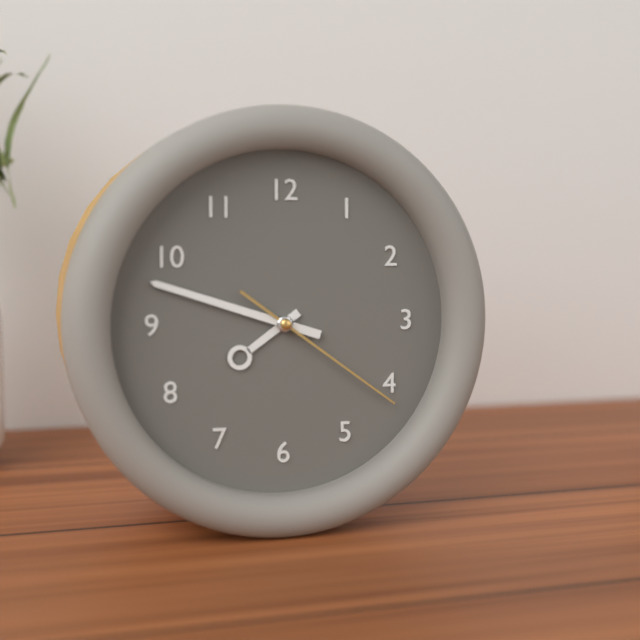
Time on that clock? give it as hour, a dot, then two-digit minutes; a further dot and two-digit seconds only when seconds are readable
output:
7.48.21
